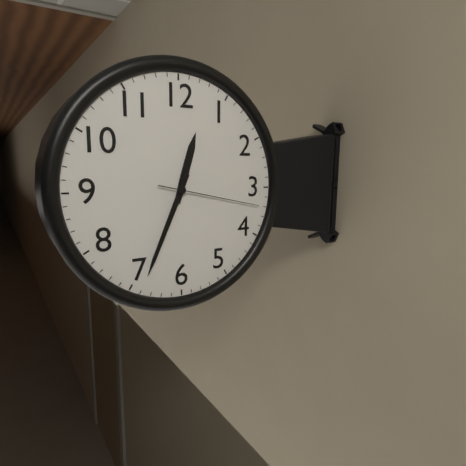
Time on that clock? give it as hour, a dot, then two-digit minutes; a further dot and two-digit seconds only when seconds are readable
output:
12.34.17
